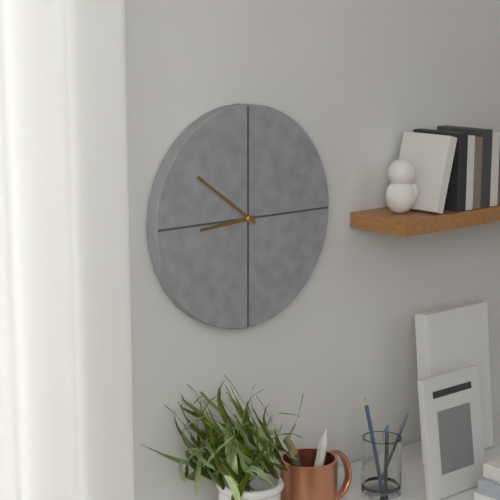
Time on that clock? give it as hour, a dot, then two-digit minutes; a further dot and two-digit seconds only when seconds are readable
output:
8.51
